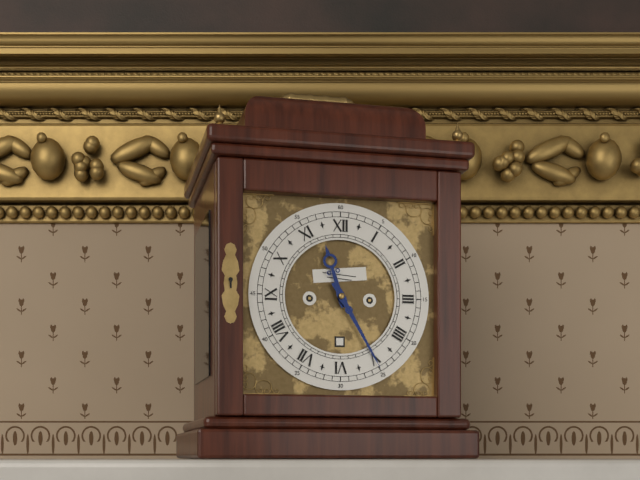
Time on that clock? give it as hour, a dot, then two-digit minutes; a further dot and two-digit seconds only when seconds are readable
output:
11.25
